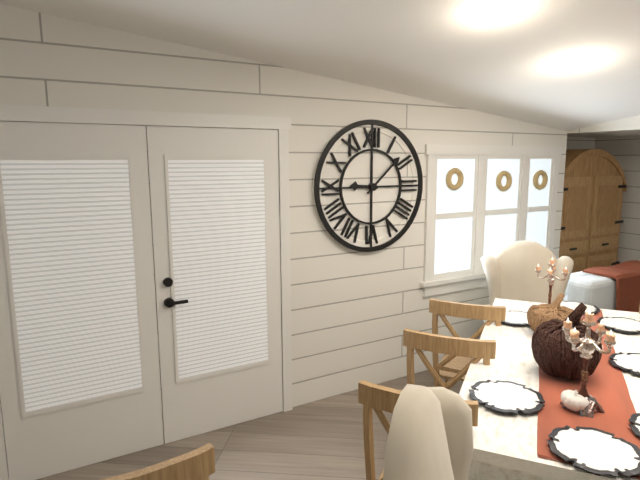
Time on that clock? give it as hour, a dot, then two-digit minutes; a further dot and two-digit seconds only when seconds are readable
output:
9.08
